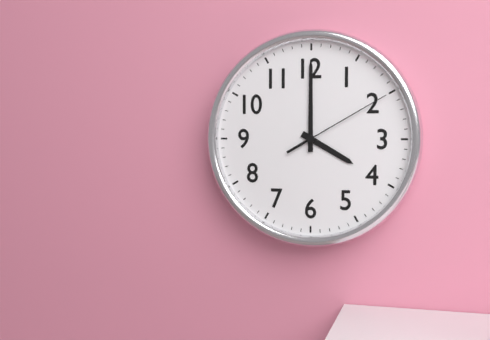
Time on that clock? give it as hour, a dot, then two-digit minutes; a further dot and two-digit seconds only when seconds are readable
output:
4.00.10
